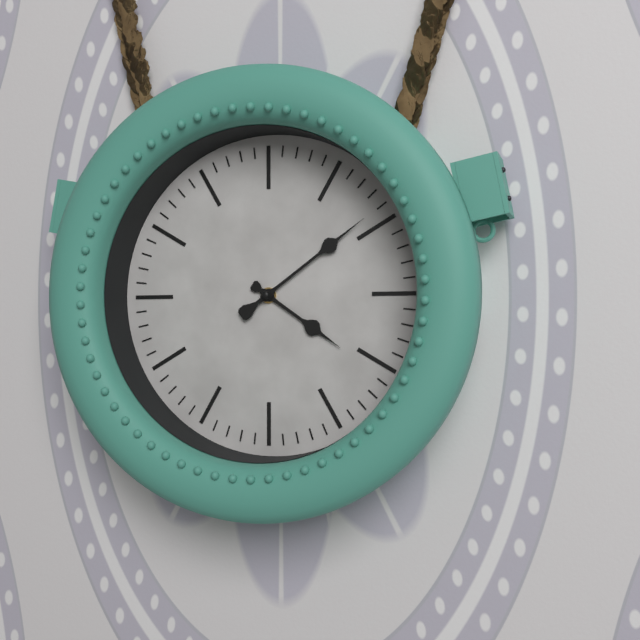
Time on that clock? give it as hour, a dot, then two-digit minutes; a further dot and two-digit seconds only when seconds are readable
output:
4.09
